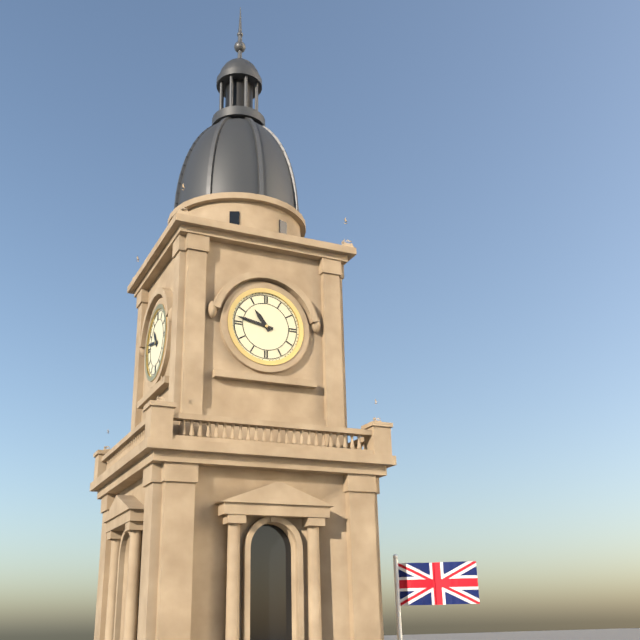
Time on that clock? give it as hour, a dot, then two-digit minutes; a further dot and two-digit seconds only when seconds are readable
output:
10.47
